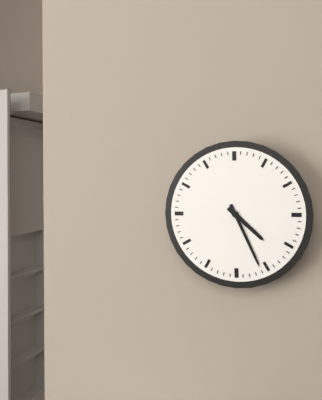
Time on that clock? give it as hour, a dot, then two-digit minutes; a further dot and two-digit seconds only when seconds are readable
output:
4.26
